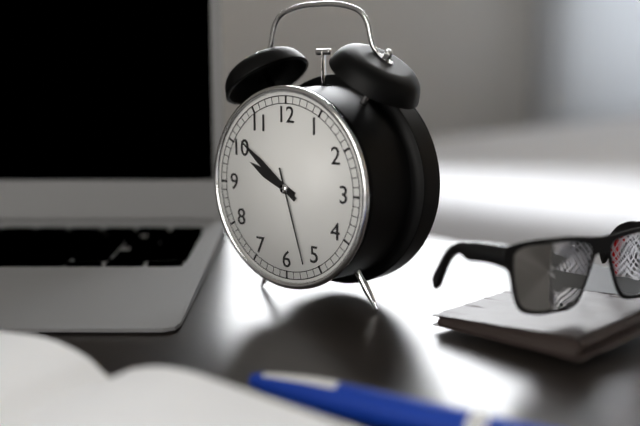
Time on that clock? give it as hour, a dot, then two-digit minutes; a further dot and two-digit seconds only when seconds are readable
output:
9.51.27
